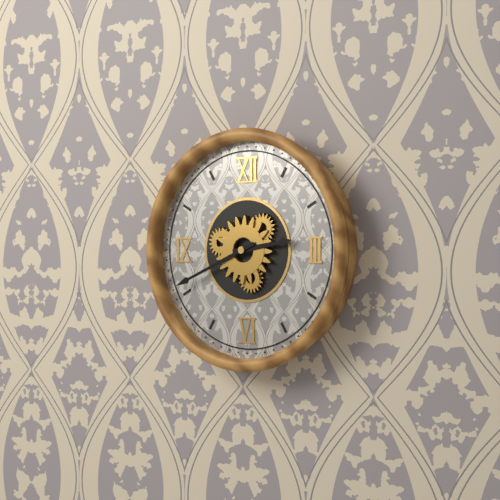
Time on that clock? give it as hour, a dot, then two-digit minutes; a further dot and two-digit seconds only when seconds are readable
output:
2.41
